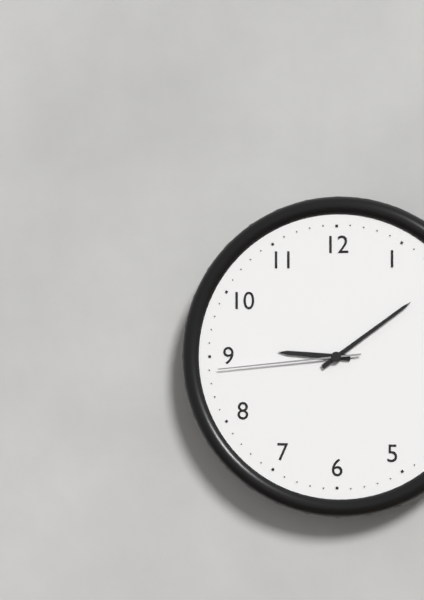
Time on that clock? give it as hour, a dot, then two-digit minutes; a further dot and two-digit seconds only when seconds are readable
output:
9.09.44
